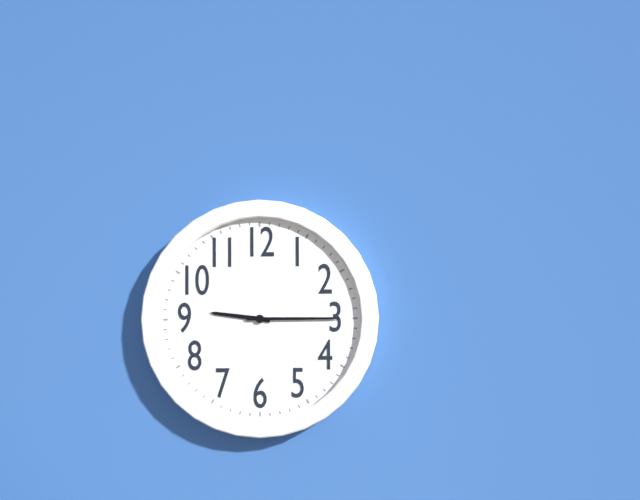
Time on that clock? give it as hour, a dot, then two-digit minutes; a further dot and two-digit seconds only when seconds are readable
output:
9.15
